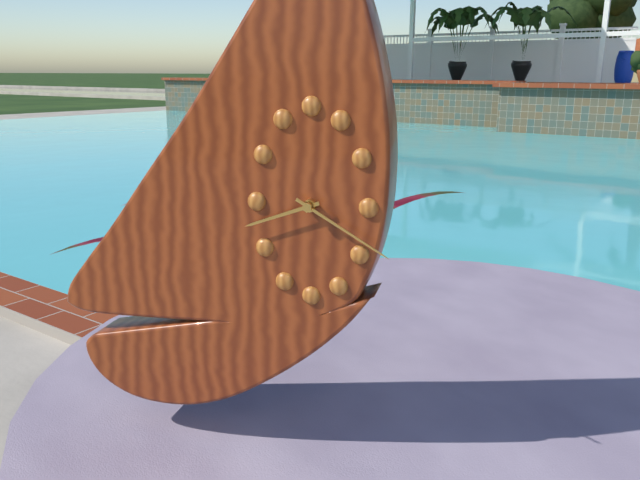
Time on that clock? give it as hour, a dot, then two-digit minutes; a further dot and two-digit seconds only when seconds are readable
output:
8.20
